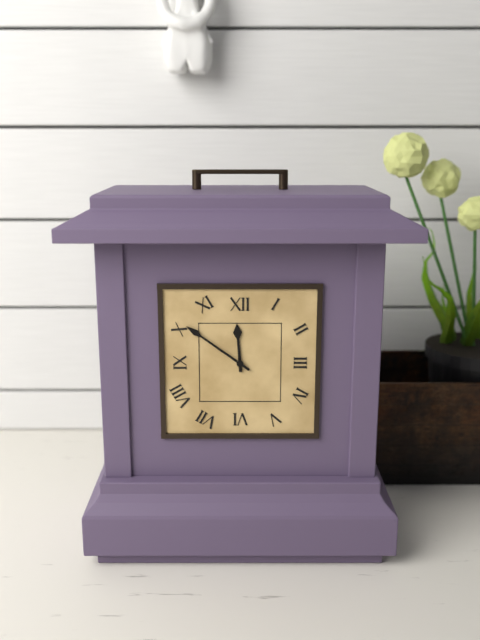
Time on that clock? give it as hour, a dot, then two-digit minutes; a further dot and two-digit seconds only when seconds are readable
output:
11.51
